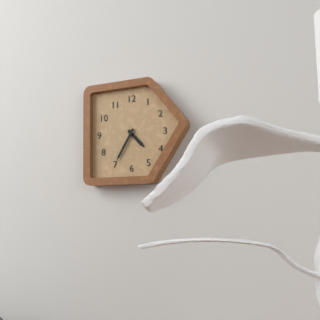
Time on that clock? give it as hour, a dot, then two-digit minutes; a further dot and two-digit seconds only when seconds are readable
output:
4.35
